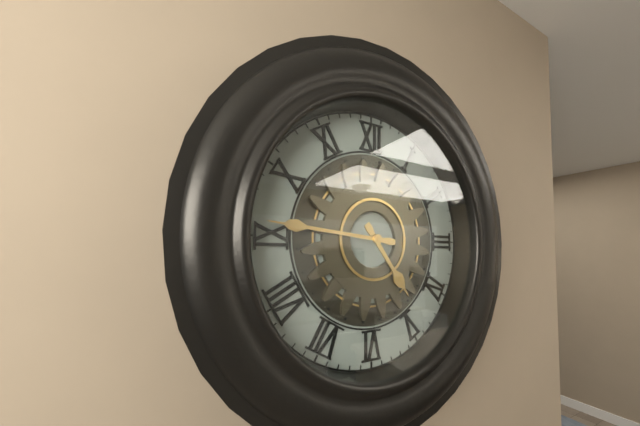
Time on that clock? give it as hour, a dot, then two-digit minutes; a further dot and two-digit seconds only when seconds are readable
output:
4.46
